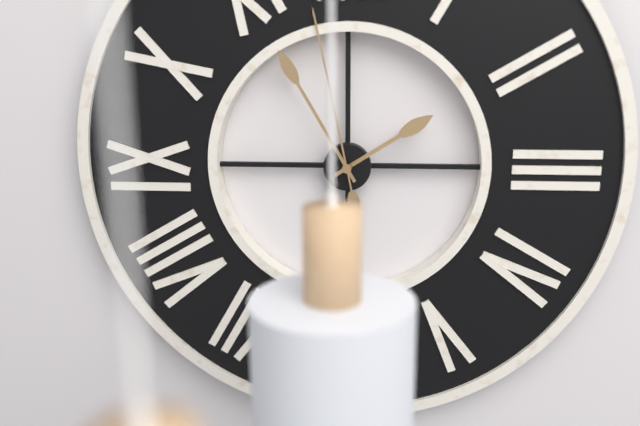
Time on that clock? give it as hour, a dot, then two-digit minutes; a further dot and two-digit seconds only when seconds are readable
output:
1.55.58
